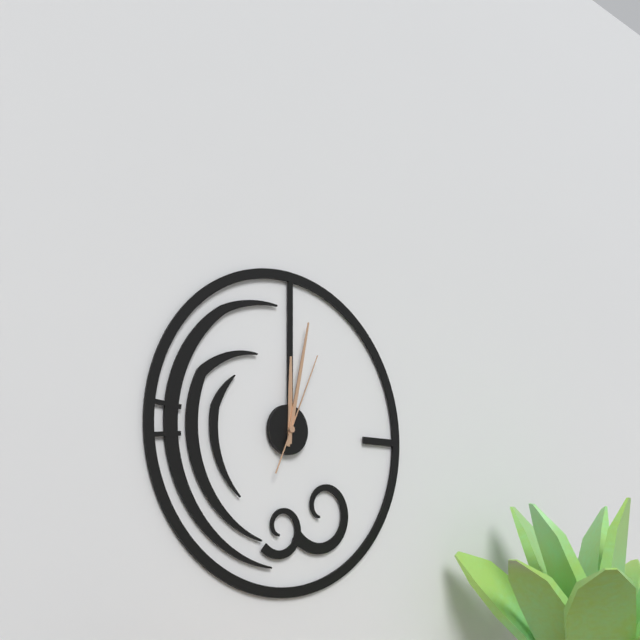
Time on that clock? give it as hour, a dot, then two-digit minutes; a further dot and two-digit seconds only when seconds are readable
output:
12.02.04
